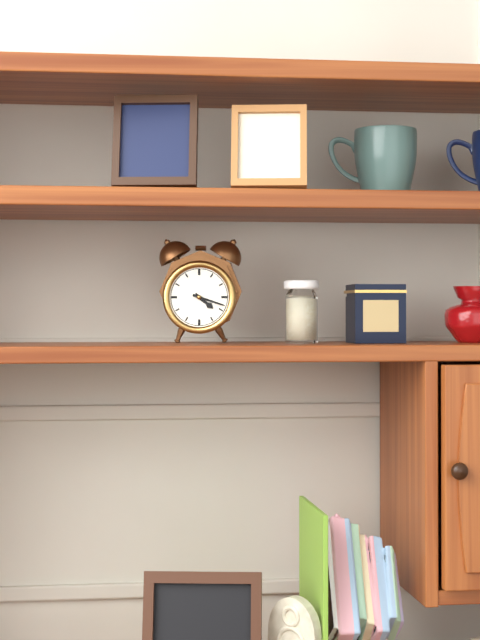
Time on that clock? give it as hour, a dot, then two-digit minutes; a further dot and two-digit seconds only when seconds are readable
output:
4.18
